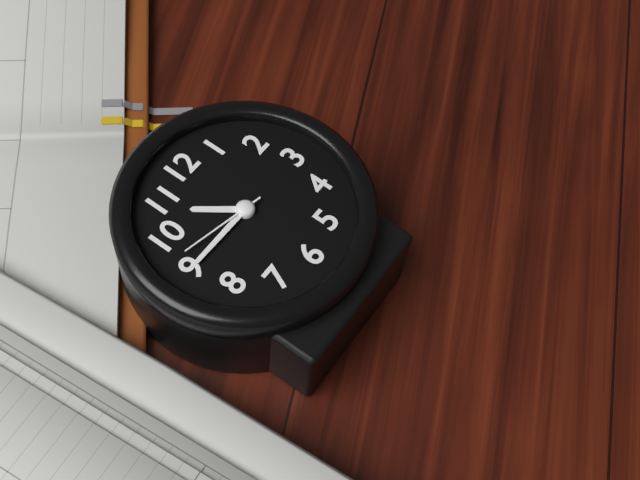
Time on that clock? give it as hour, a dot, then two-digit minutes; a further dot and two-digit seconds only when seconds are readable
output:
10.45.47
